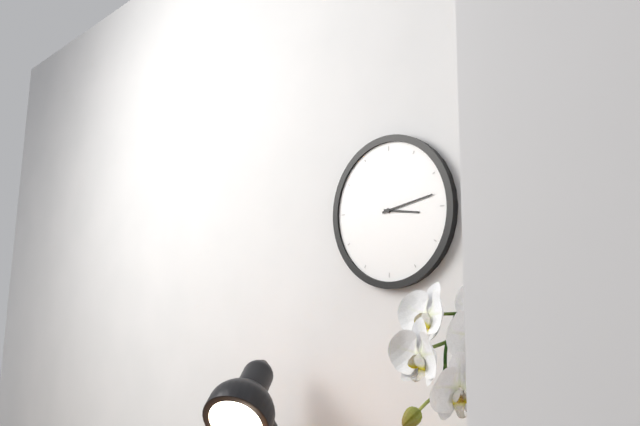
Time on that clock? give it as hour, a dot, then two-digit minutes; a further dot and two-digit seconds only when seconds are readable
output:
3.13
